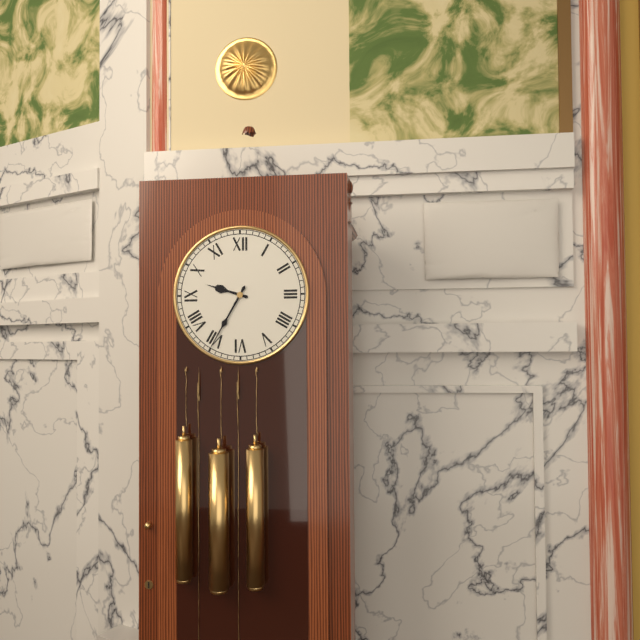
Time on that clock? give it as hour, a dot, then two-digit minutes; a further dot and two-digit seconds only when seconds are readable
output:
9.35
